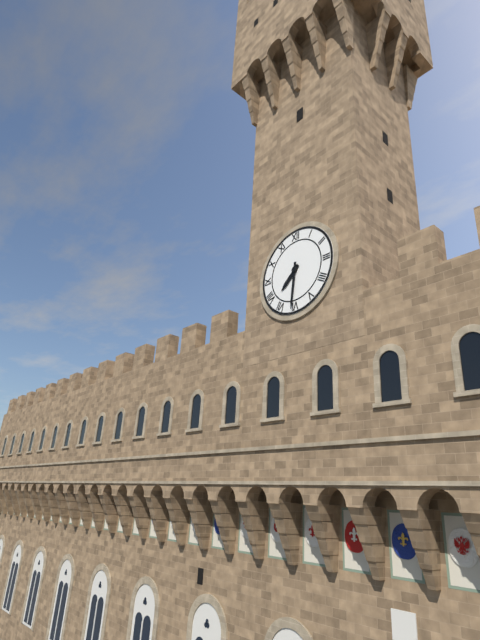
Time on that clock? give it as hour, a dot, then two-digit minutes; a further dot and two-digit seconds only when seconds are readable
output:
7.31
